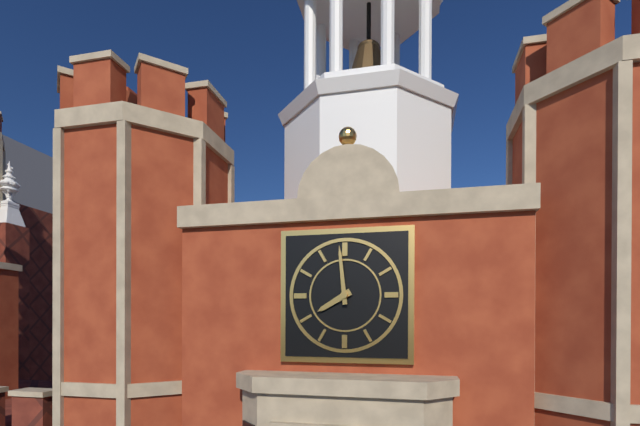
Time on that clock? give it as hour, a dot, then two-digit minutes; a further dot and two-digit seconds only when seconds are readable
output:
7.59
